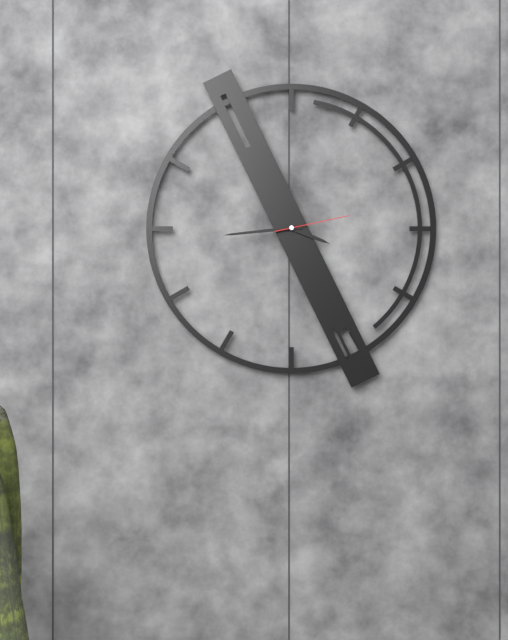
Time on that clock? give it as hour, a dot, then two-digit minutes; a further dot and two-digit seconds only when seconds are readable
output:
3.44.13
